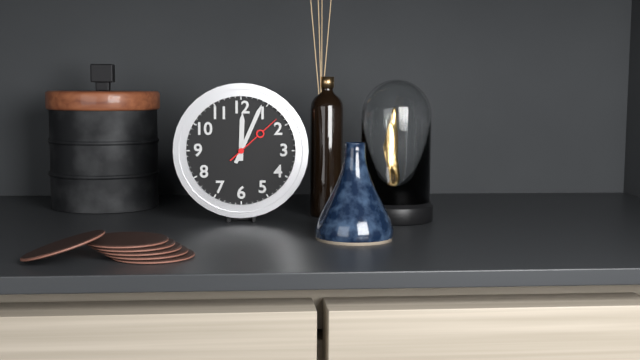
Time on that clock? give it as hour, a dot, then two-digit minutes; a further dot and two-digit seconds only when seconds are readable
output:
12.04.08
